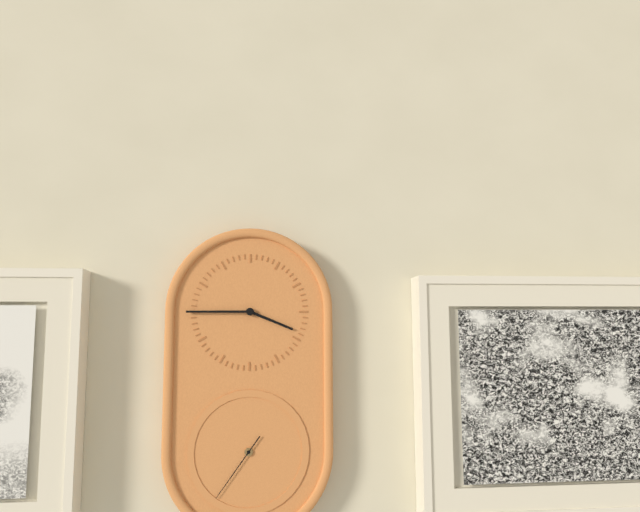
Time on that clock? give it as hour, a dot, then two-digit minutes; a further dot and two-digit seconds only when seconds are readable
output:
3.45.36
